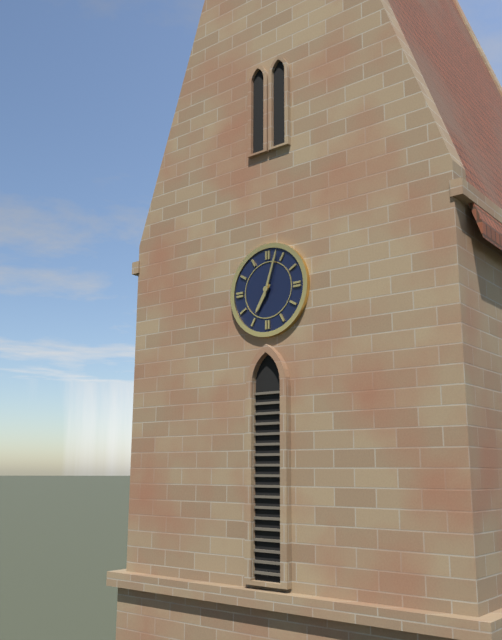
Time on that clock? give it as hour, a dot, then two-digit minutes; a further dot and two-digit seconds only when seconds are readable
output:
7.03
